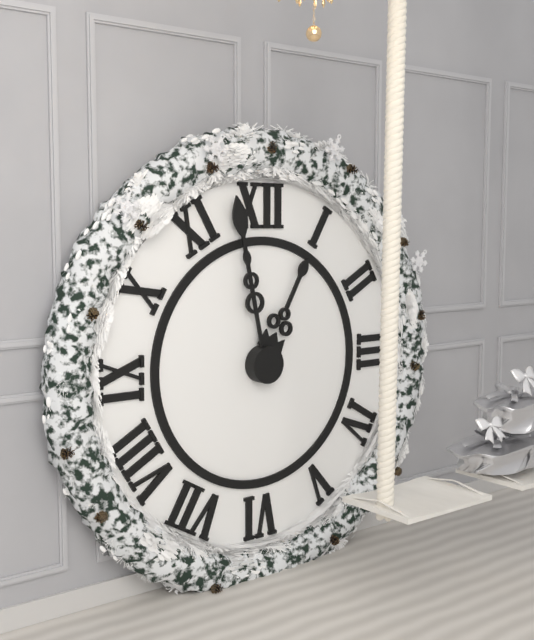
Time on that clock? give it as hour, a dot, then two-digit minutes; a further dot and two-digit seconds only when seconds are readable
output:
12.58
